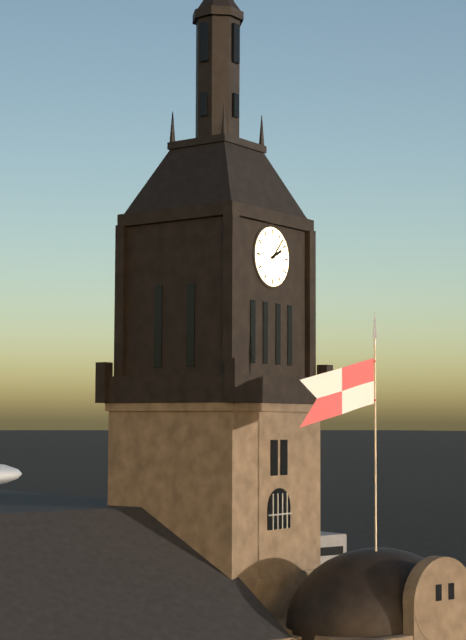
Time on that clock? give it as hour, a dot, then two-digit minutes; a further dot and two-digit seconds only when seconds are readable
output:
2.07
